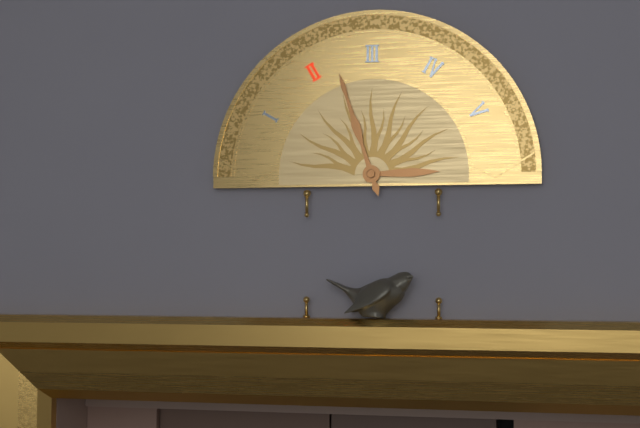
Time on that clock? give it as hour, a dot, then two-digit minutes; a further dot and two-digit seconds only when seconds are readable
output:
2.57
